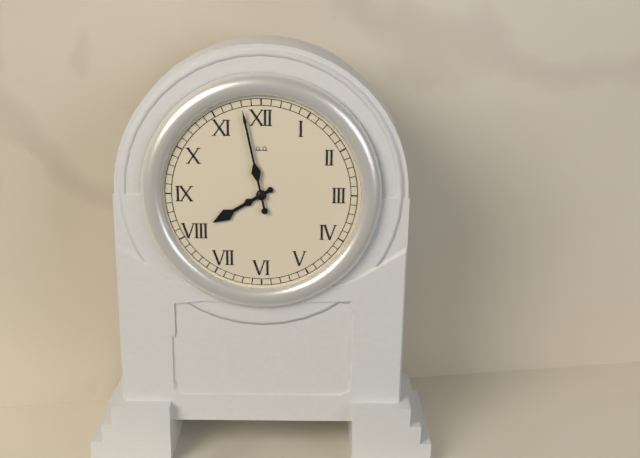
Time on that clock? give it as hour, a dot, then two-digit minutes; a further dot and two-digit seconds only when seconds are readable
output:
7.58
